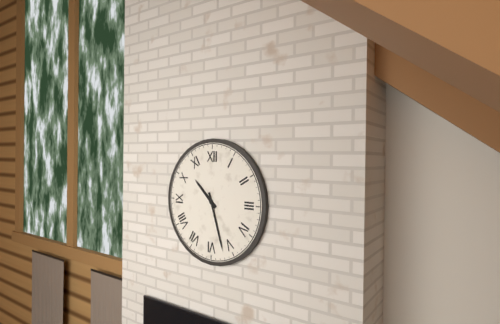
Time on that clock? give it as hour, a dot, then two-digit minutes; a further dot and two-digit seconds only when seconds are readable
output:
10.27
